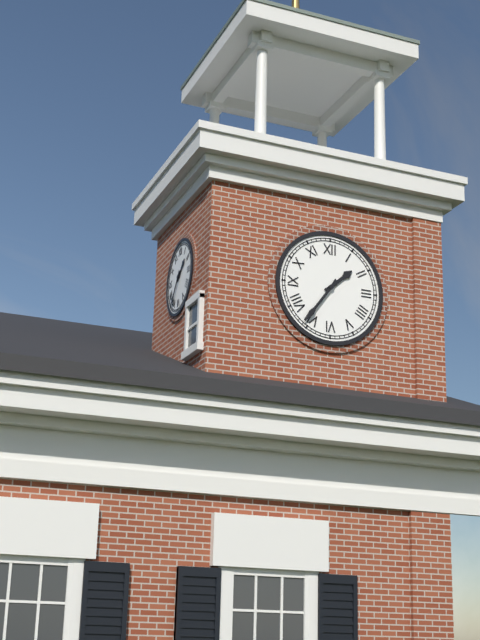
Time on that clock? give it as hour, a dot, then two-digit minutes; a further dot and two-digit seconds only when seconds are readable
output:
1.36
